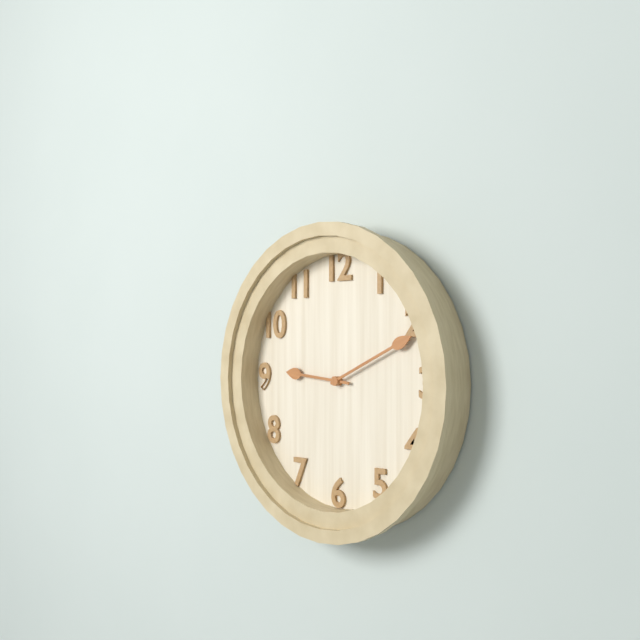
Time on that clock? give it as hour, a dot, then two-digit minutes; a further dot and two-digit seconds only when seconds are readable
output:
9.11
